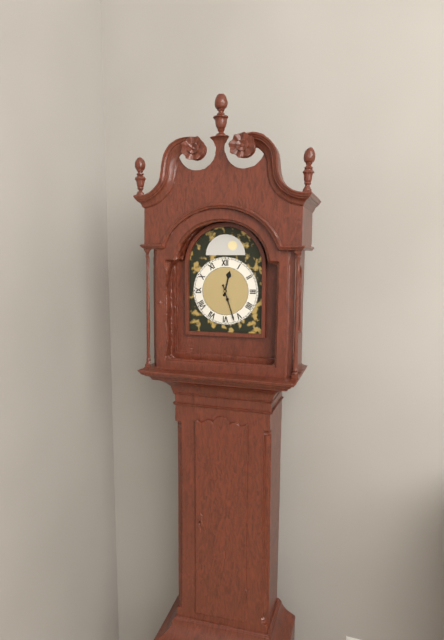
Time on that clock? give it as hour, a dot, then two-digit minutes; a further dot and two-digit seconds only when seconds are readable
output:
12.27
